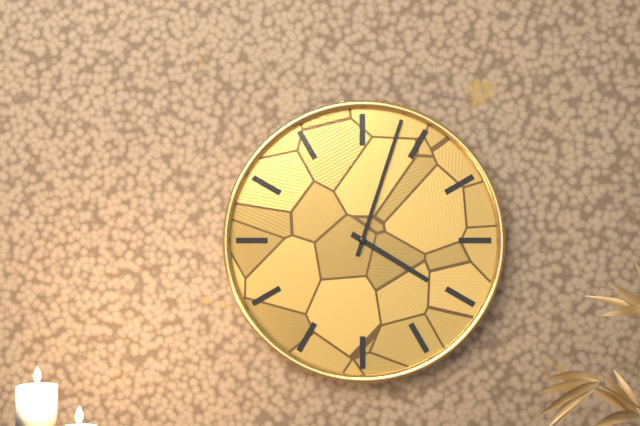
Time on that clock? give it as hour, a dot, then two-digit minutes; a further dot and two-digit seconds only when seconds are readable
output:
4.03
